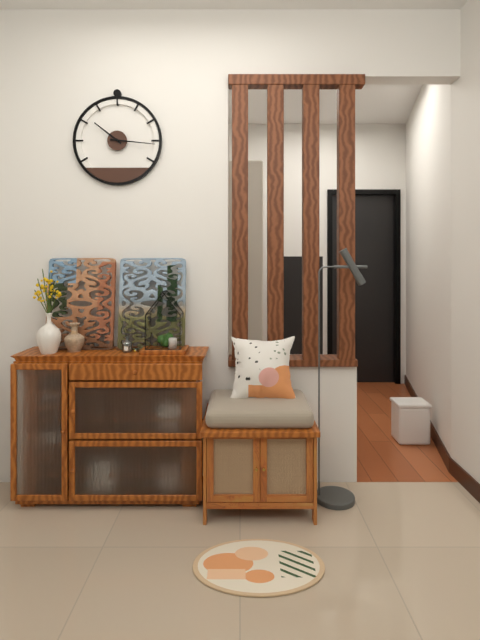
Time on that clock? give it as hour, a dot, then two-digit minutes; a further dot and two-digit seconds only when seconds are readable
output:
10.16
